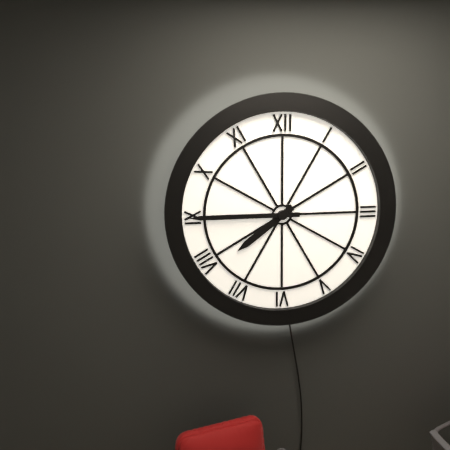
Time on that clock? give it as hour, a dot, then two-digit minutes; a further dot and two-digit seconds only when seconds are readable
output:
7.45
